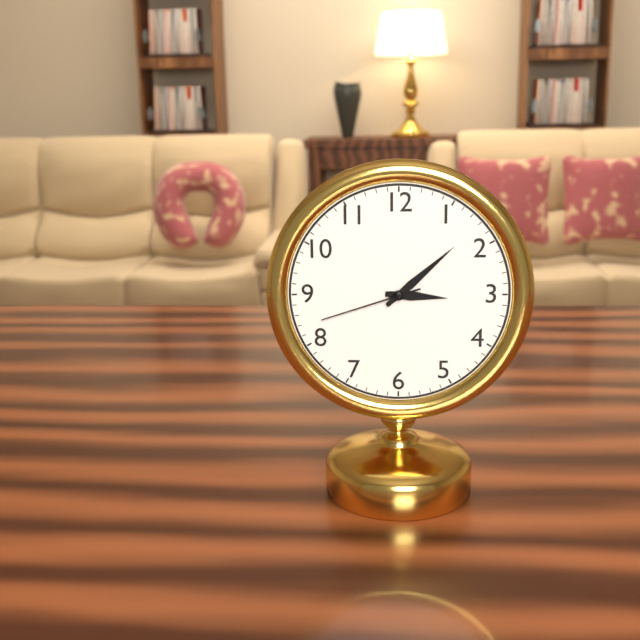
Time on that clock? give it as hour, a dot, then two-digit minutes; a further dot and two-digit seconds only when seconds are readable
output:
3.08.42
